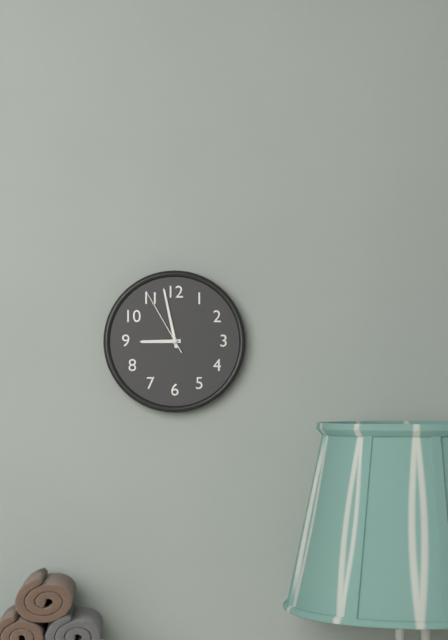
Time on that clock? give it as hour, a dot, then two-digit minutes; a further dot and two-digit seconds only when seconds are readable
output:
8.58.55
